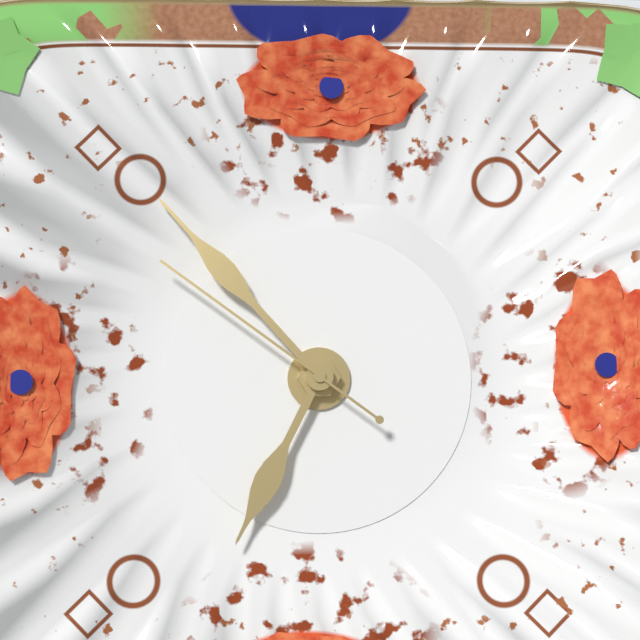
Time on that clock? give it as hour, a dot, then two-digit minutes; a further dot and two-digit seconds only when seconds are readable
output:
6.53.51
